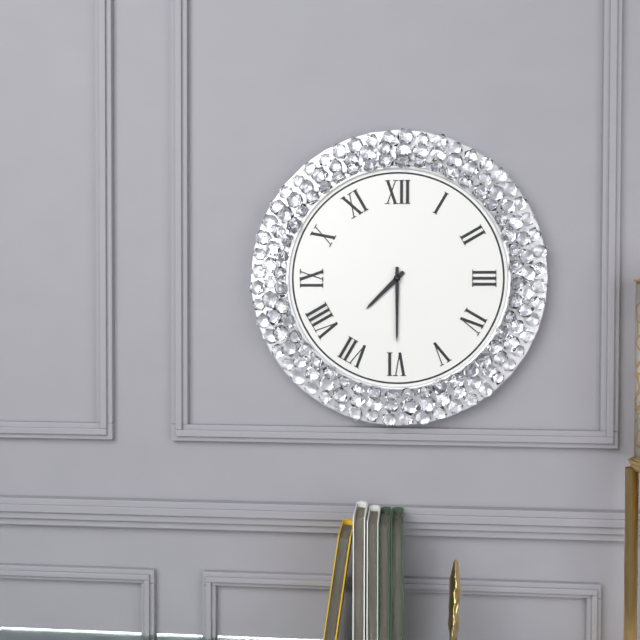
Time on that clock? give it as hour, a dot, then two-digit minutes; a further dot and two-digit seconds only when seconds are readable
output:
7.30
